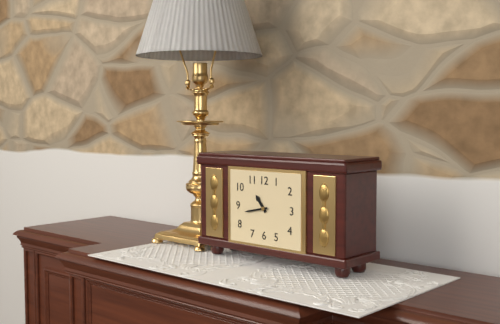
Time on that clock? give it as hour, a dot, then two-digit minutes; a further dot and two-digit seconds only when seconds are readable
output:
10.43
